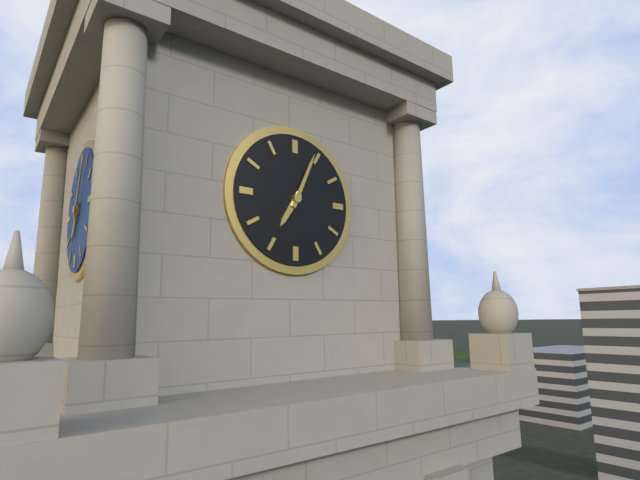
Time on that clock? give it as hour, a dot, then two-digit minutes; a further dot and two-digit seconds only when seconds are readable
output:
7.04
